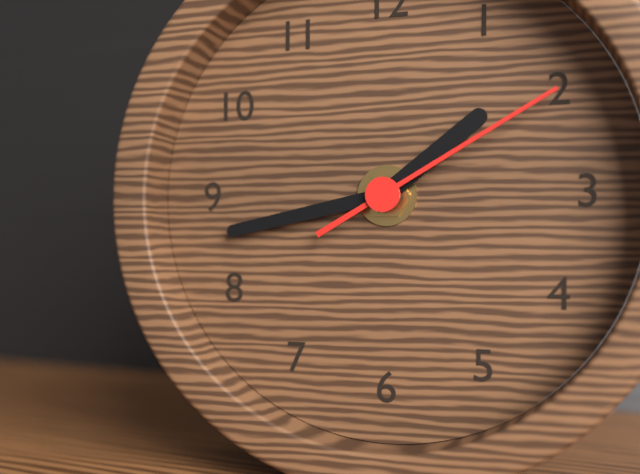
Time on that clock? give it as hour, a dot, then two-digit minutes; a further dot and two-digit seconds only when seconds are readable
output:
1.43.10
